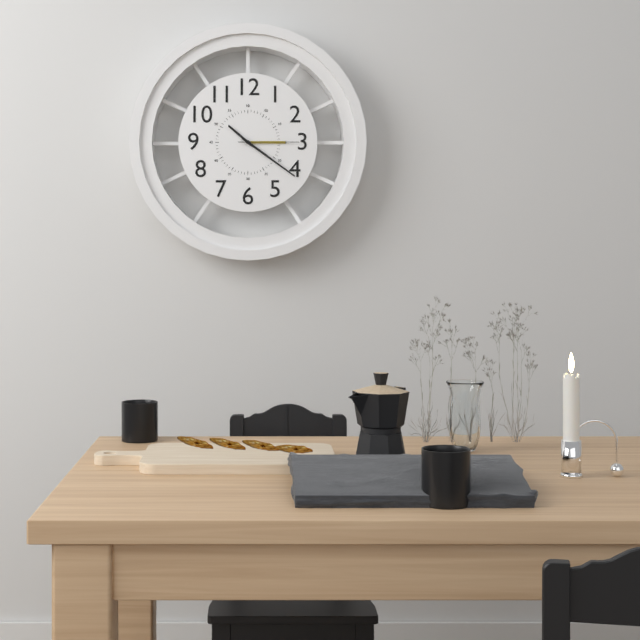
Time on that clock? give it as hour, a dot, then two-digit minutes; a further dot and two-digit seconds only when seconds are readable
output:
10.21.15
